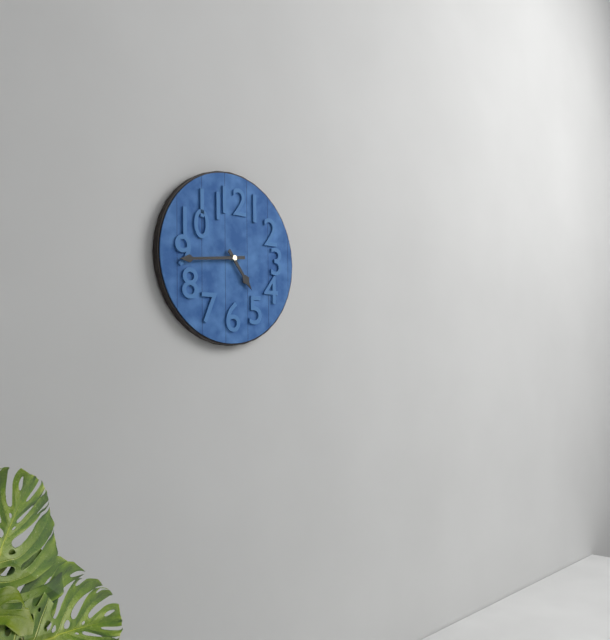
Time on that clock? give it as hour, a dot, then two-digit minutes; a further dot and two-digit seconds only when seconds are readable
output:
4.44
